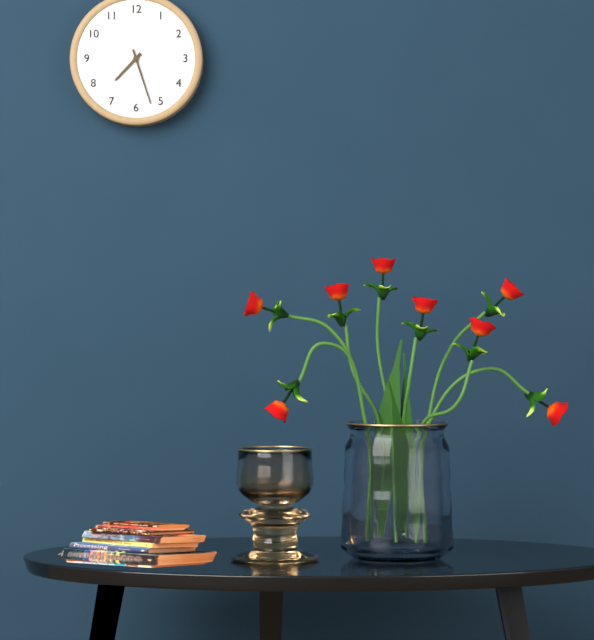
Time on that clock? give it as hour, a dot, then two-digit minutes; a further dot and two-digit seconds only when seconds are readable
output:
7.27
